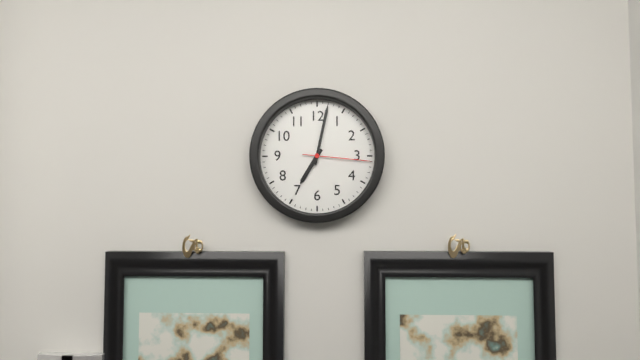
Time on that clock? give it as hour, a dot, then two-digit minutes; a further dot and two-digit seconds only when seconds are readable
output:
7.02.16
